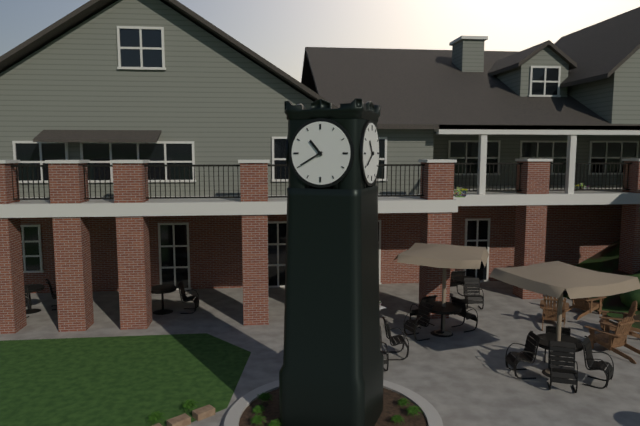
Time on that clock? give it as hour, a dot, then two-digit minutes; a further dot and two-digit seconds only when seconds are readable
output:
10.40
